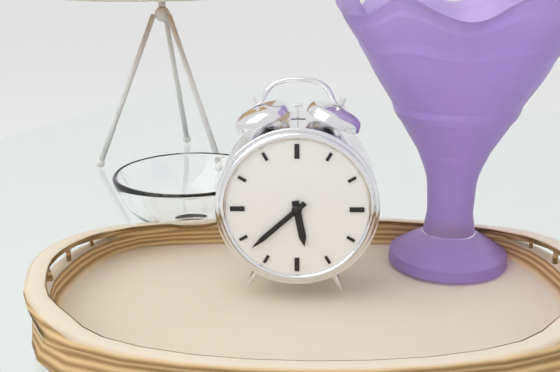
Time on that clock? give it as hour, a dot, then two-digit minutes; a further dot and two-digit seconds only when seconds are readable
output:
5.38
